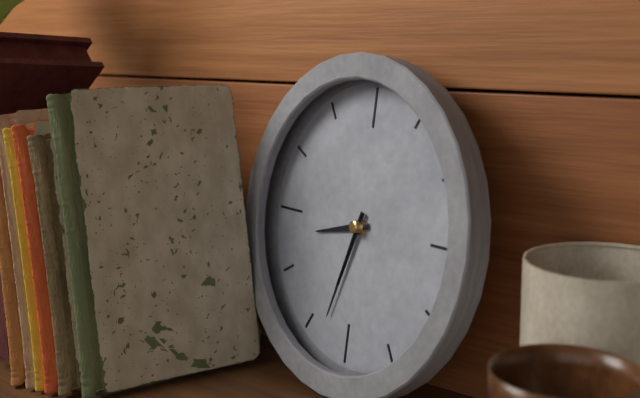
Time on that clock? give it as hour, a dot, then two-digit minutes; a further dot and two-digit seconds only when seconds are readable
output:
8.33.33
